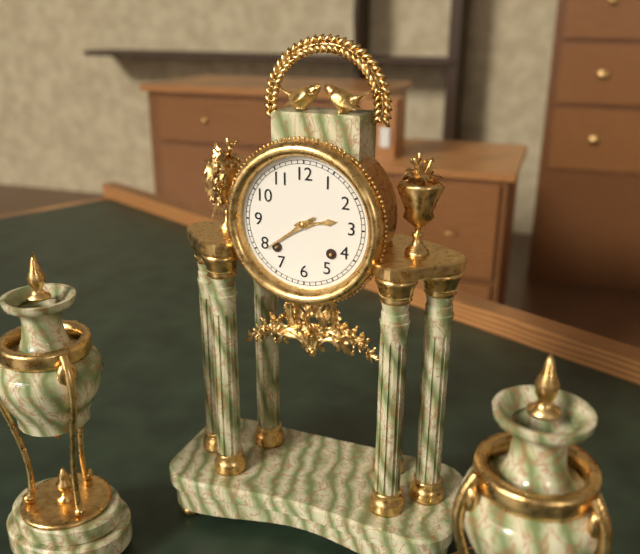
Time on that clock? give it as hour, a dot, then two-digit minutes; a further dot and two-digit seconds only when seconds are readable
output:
2.39
